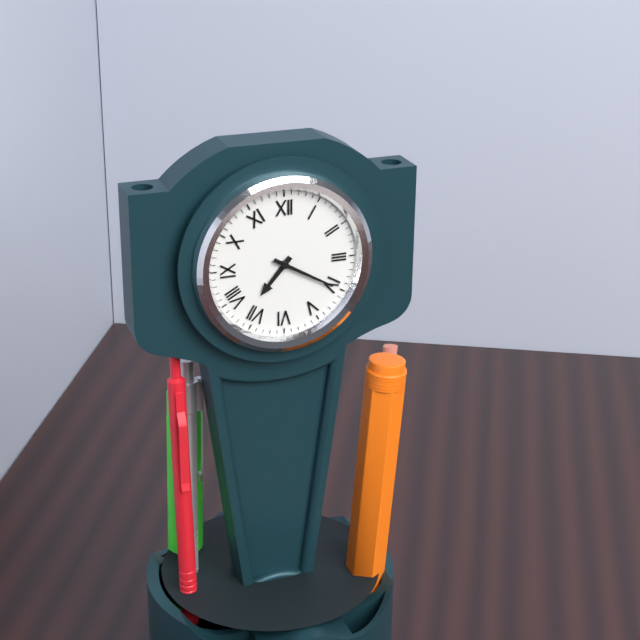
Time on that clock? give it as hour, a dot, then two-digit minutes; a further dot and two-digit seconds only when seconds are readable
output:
7.20
